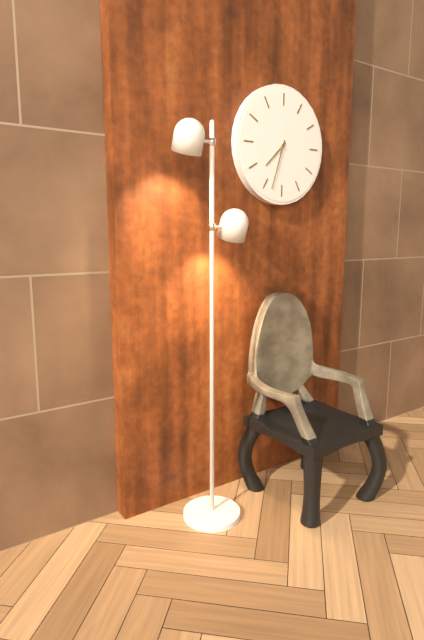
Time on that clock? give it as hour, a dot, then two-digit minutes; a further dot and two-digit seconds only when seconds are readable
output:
7.33
